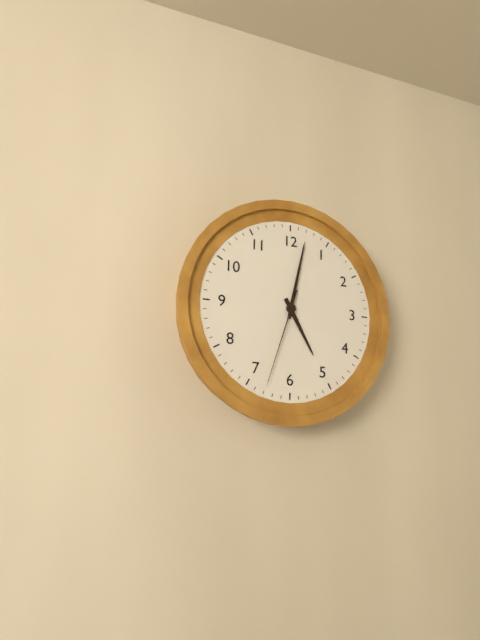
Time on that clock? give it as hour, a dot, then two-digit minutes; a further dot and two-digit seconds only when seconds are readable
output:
5.02.33
